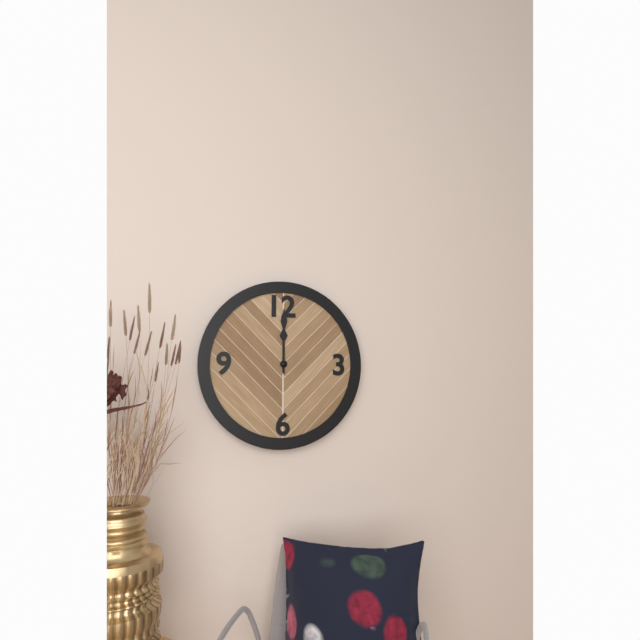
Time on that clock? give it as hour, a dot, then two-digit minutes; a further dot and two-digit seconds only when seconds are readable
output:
12.00
